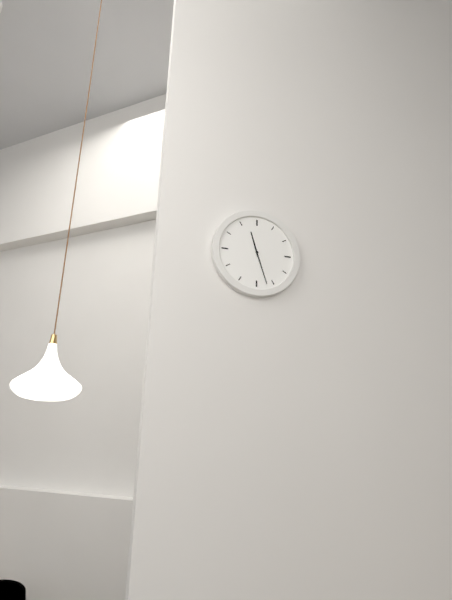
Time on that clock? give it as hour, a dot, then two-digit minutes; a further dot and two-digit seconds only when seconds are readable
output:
11.27
